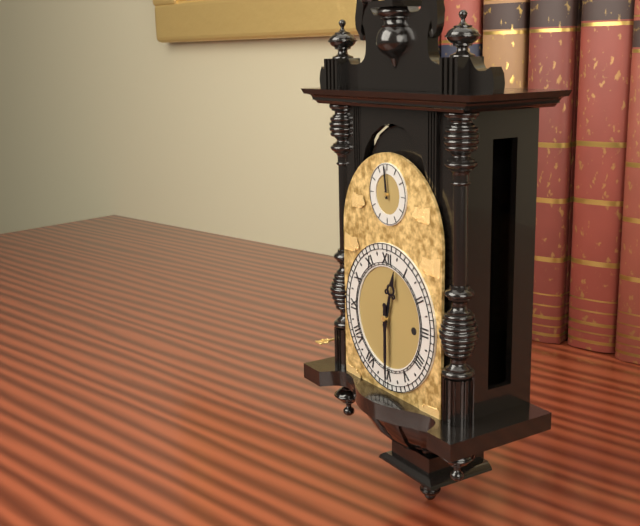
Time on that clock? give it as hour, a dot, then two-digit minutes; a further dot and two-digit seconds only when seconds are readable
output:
12.30
